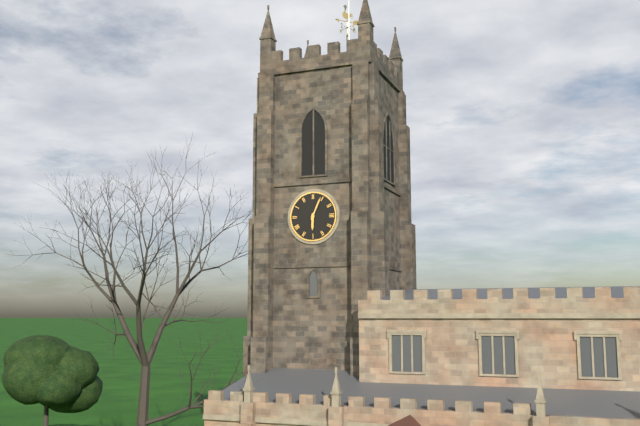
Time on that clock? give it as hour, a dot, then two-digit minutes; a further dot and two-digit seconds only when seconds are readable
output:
6.04
